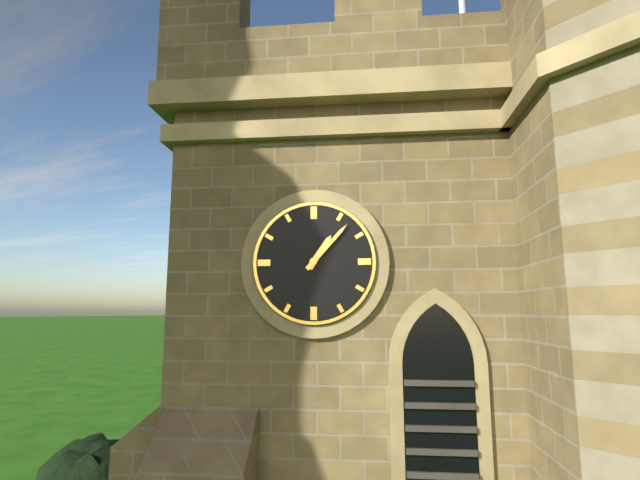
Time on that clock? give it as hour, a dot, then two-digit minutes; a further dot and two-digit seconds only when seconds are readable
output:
1.07
